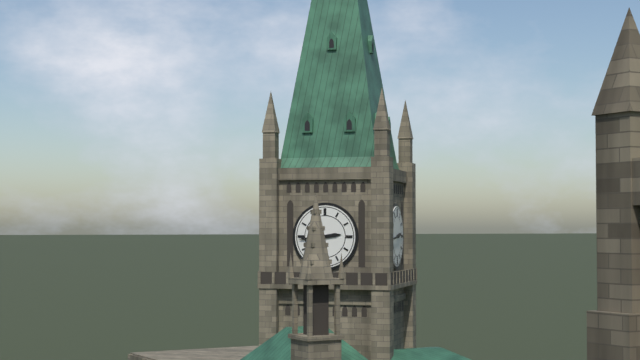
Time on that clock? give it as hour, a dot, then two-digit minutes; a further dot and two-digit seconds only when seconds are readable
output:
2.44
